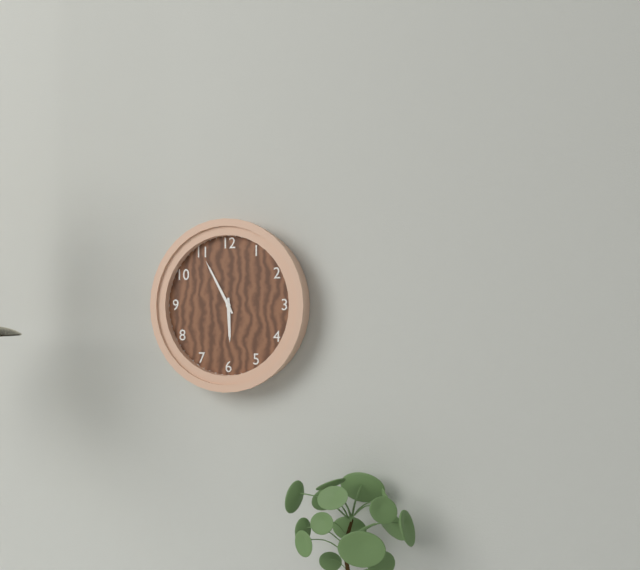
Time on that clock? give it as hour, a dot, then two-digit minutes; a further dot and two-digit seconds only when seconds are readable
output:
5.55
